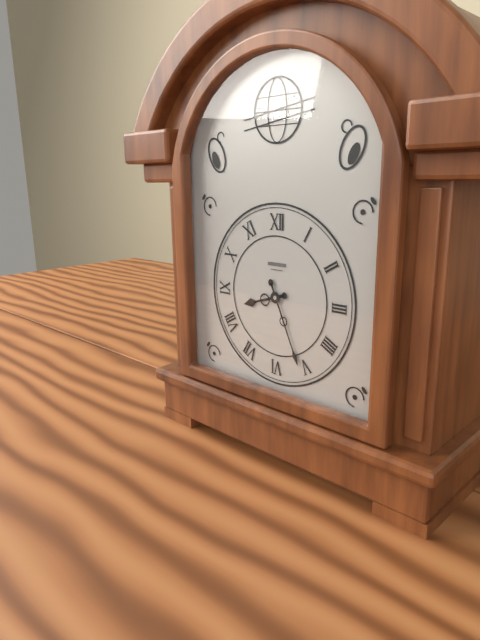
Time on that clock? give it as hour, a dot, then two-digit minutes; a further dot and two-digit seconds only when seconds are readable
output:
8.26
